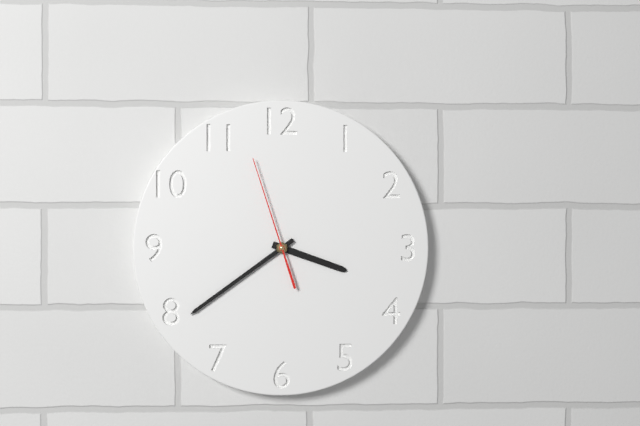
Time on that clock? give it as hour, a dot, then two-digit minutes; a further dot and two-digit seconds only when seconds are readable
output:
3.39.57
